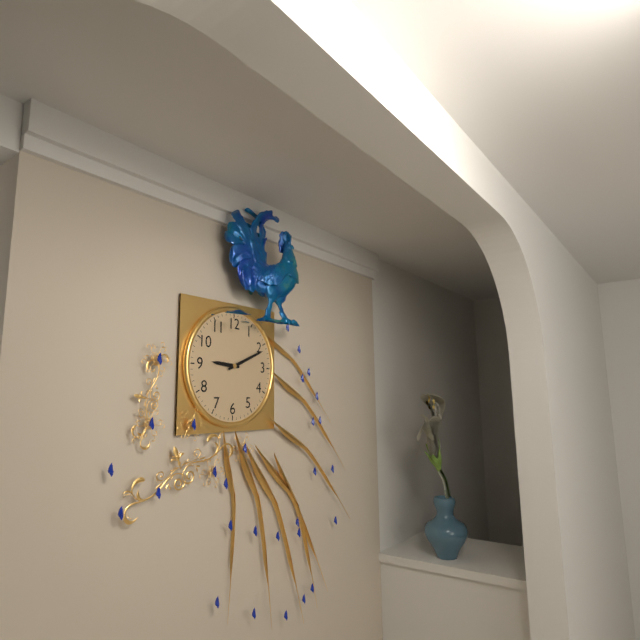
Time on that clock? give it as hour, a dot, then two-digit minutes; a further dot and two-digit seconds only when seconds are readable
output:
9.11
